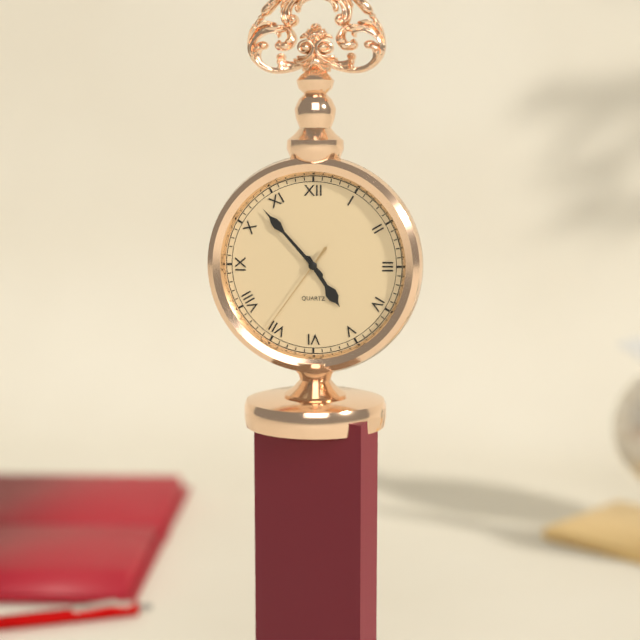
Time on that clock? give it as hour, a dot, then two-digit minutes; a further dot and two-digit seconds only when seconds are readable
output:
4.53.36
